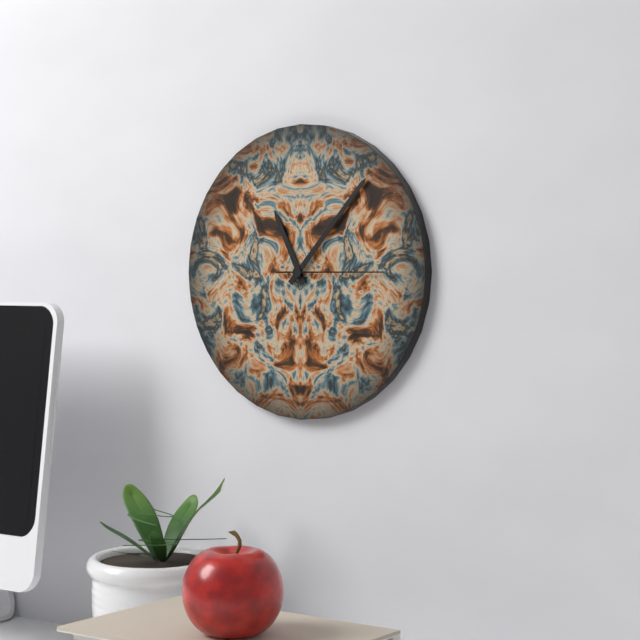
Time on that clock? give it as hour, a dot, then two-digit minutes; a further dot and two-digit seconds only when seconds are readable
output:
11.07.15
